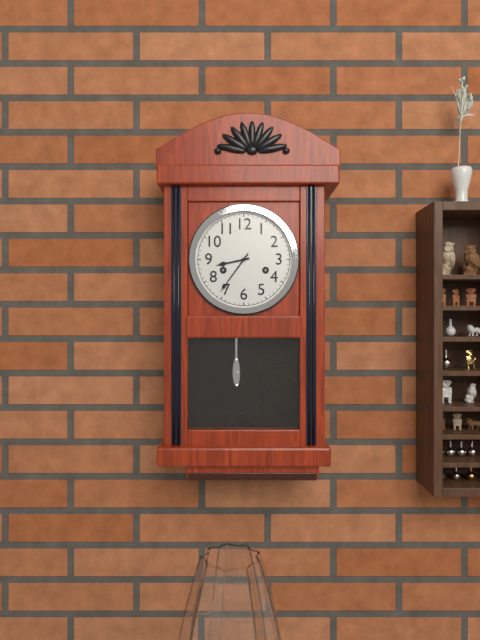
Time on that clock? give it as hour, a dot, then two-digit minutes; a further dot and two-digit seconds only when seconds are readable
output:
8.36
